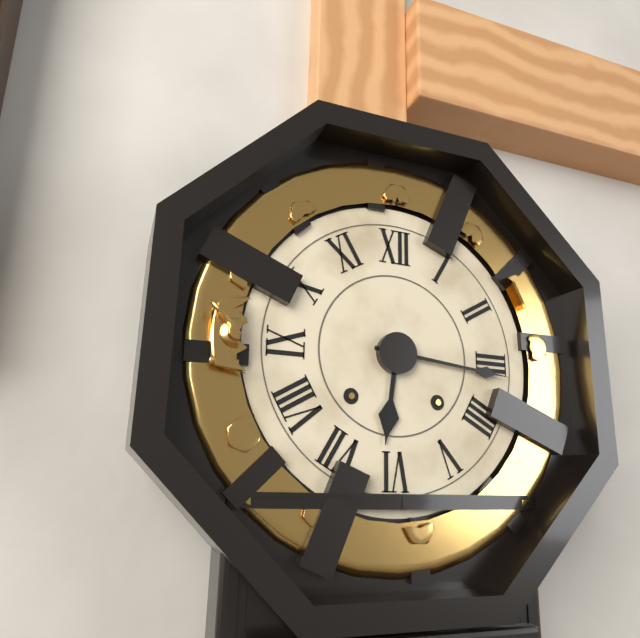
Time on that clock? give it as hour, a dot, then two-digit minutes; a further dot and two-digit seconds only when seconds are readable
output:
6.16
